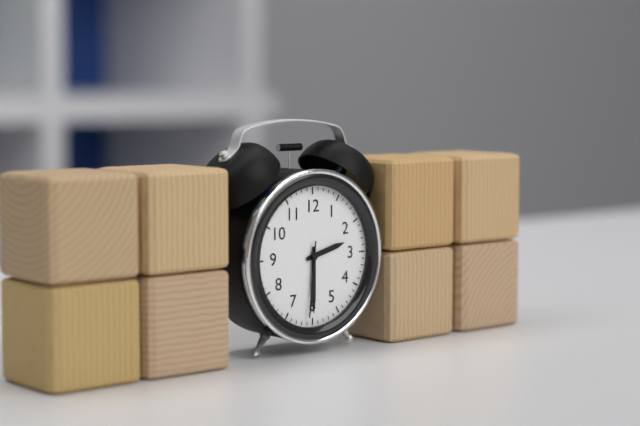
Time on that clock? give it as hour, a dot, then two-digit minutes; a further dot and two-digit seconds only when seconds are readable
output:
2.30.31
